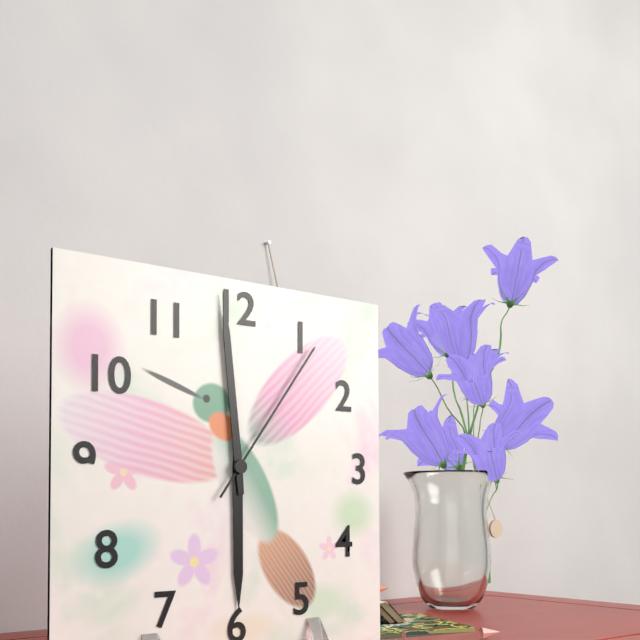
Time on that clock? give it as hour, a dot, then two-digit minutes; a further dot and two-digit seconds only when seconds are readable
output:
5.59.06
